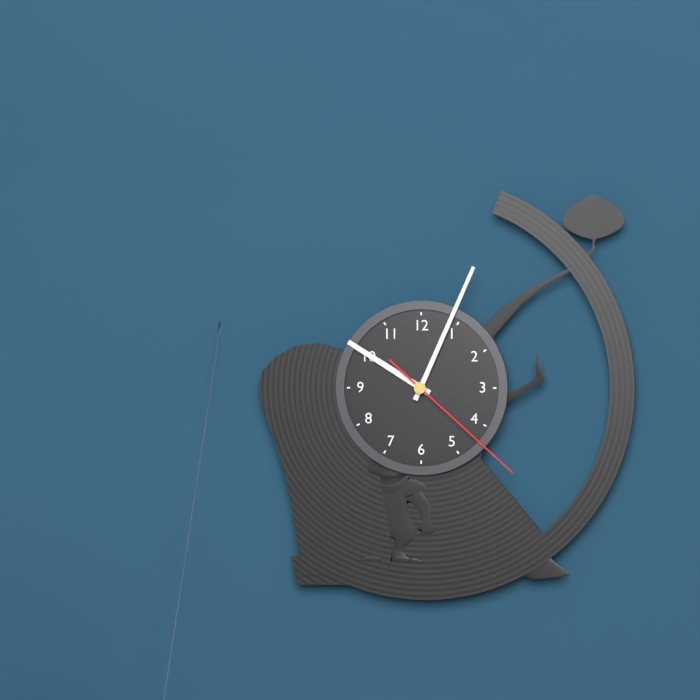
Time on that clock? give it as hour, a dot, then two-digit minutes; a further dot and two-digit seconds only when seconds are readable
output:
10.04.22
